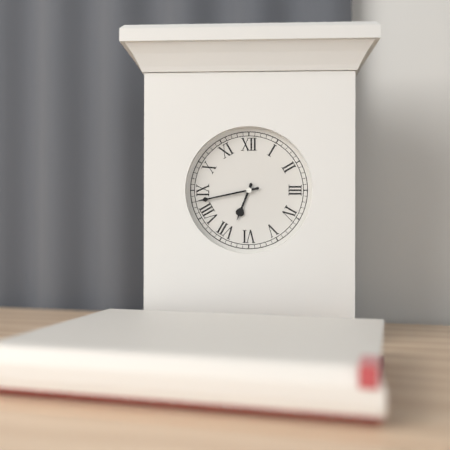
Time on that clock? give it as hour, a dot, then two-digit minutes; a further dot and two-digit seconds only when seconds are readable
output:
6.43
